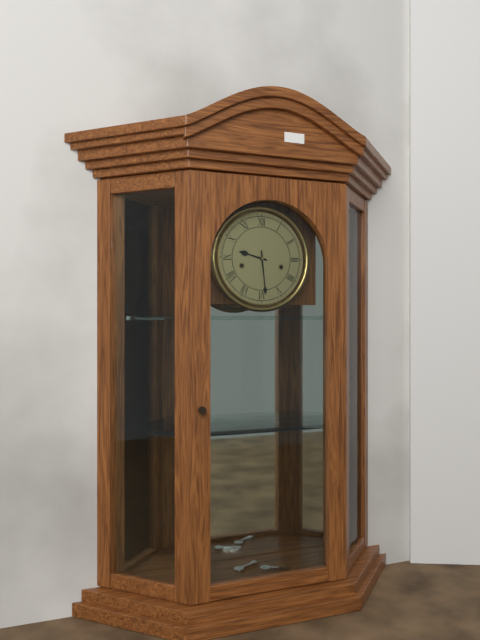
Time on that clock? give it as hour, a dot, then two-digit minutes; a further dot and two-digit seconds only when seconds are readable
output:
9.29
